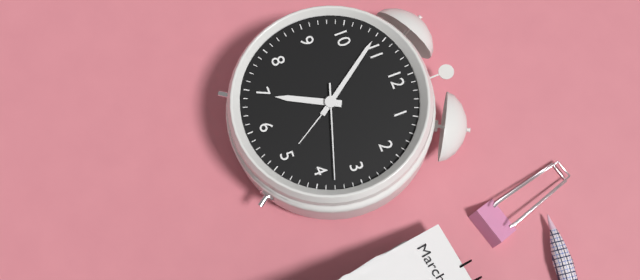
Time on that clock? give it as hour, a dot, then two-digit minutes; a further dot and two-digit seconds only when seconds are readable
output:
6.54.18
